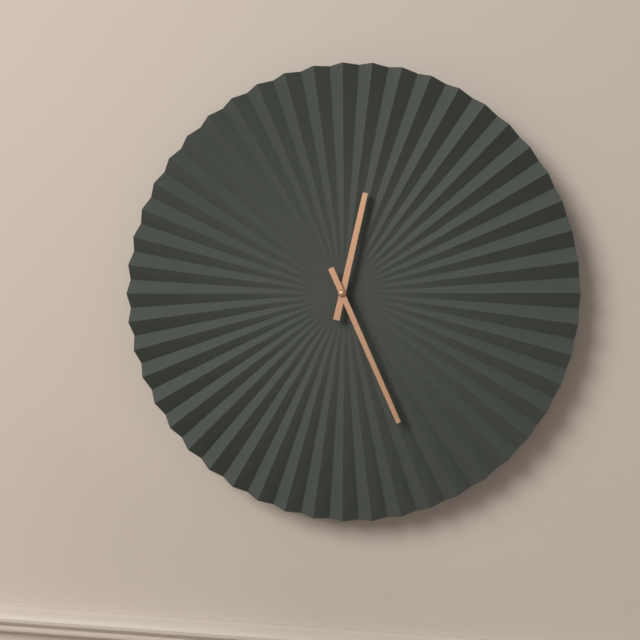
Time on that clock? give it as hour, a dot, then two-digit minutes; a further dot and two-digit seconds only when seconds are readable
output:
12.26
